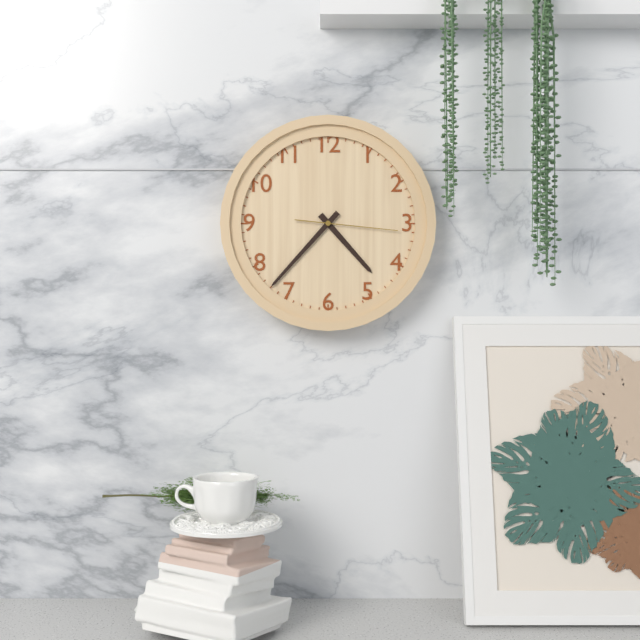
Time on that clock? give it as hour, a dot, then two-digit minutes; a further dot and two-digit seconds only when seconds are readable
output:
4.37.16
